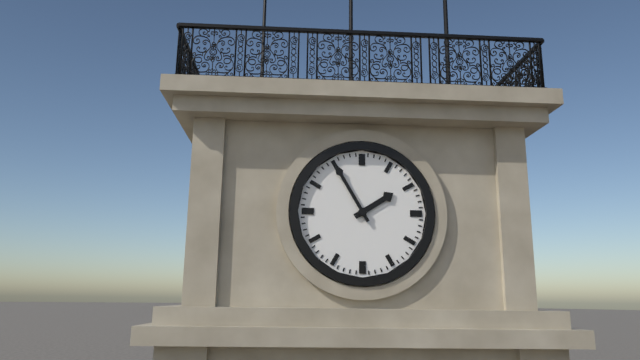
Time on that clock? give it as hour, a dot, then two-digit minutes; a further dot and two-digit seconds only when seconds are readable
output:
1.55
